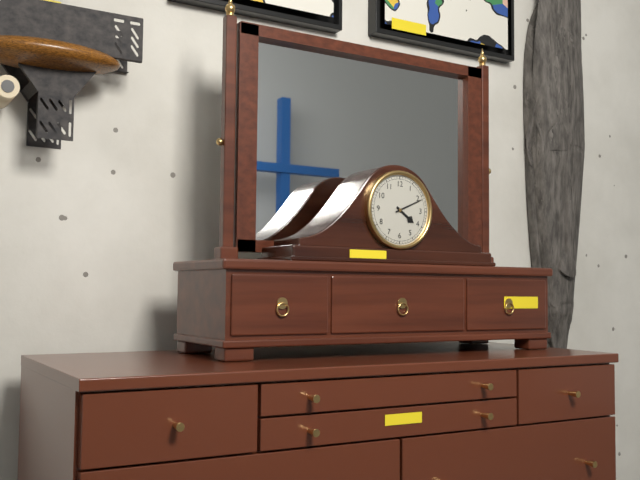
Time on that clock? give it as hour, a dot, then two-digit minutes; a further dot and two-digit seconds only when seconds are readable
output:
4.11
